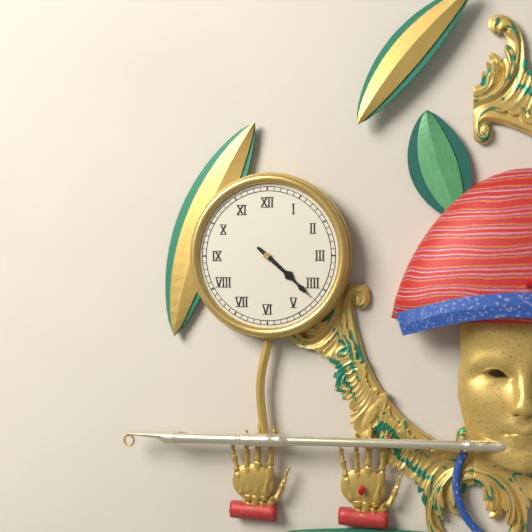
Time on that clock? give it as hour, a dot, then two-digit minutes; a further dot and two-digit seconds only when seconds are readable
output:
4.22
